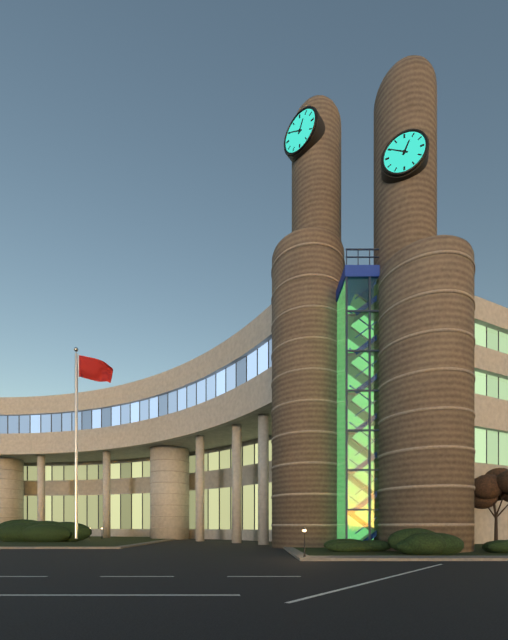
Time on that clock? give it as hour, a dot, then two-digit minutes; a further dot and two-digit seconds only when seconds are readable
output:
12.50
